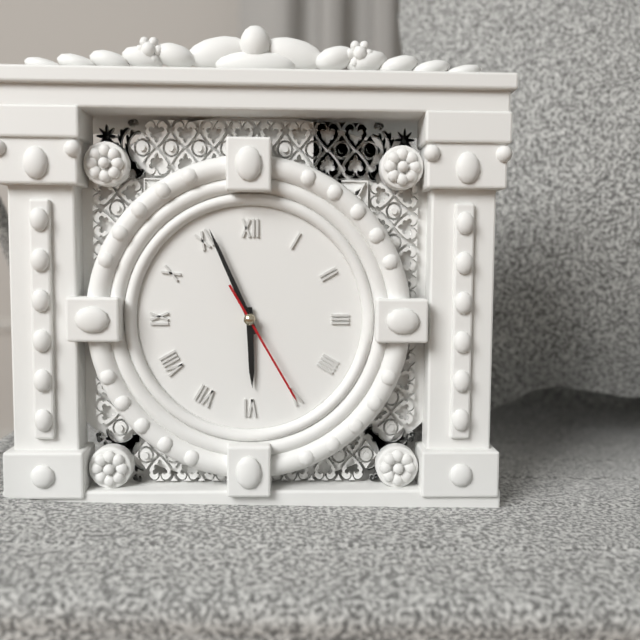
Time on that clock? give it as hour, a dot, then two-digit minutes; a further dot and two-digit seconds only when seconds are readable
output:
5.56.25
